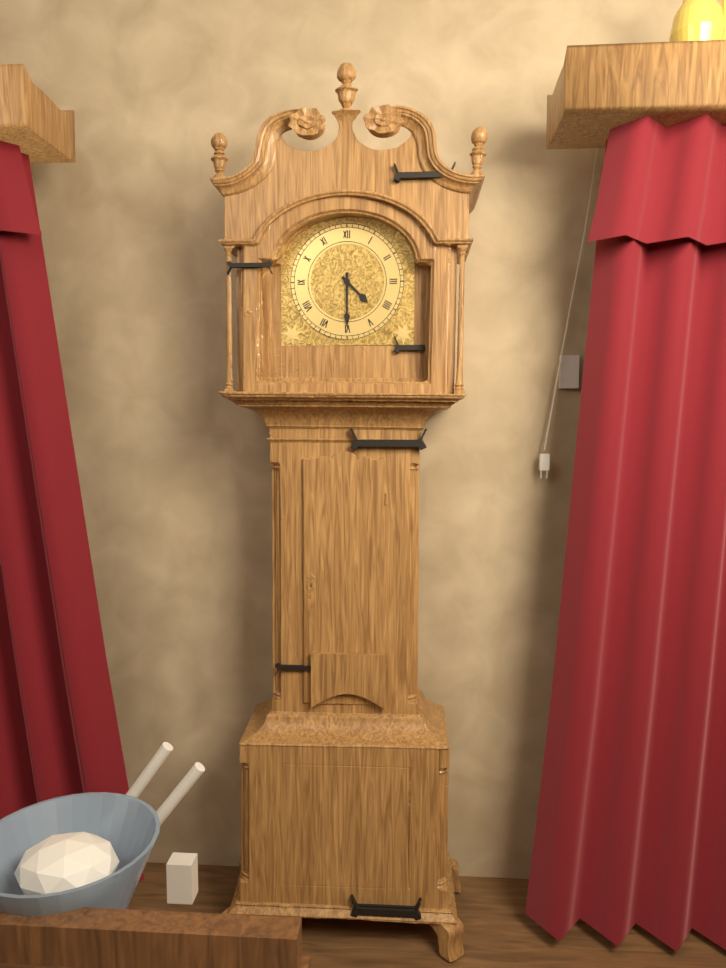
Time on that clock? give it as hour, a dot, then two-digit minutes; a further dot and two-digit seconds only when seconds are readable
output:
4.30
